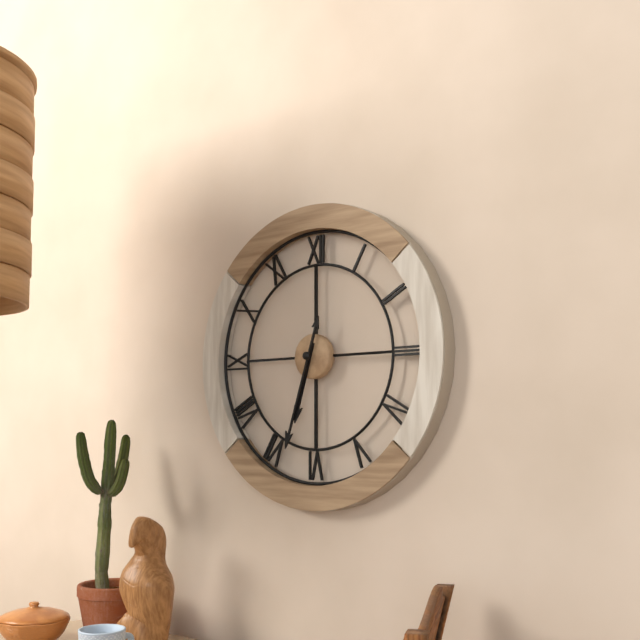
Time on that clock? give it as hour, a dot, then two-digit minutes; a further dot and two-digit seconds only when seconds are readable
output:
6.33
